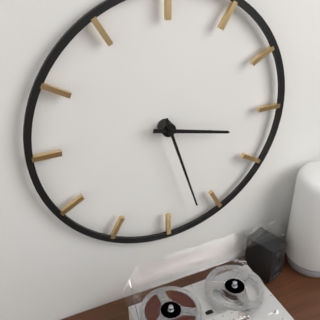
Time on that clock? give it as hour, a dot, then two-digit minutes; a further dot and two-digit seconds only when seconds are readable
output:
3.27
